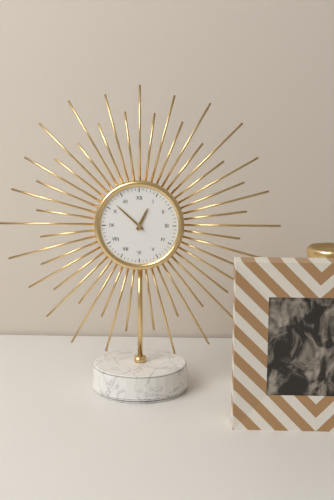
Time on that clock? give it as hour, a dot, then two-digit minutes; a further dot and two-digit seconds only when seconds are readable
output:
12.52
